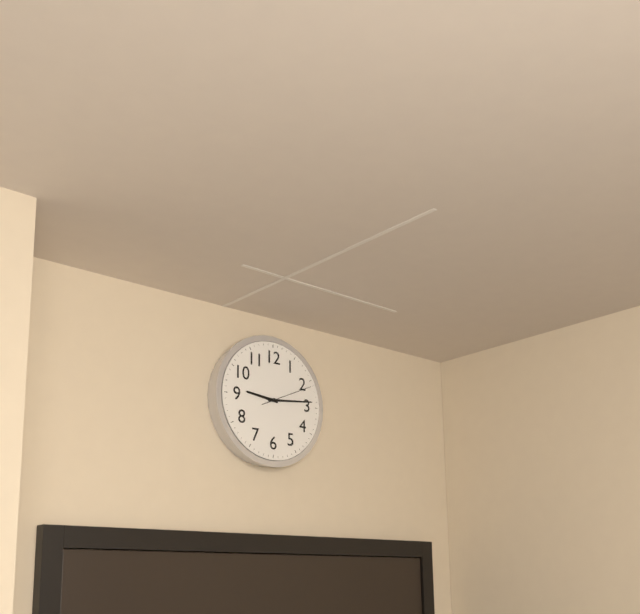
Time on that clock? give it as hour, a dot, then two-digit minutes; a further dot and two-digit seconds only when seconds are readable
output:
9.14
